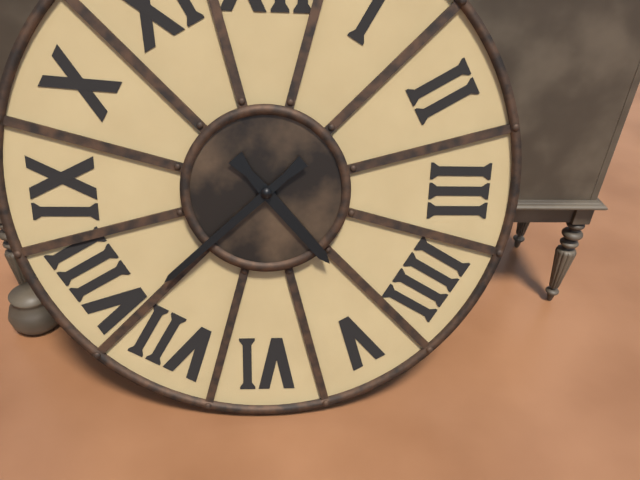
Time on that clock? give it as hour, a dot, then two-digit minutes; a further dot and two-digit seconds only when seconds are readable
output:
4.38
